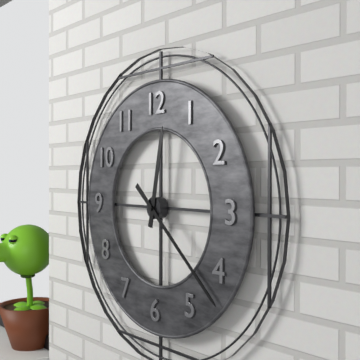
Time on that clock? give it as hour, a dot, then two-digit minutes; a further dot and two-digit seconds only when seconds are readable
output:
12.22
